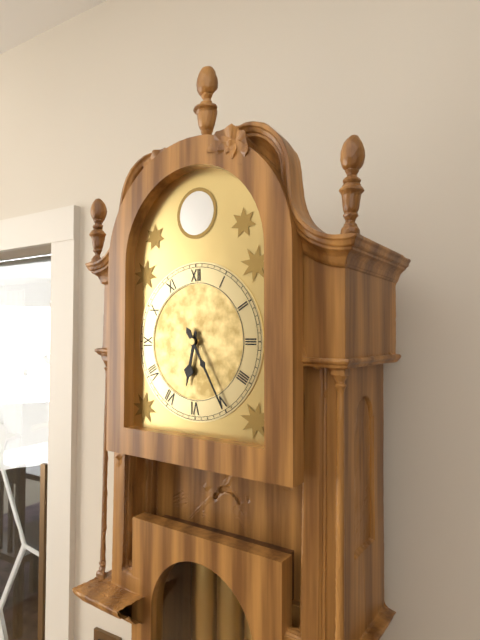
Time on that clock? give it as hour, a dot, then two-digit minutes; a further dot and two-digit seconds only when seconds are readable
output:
6.25
